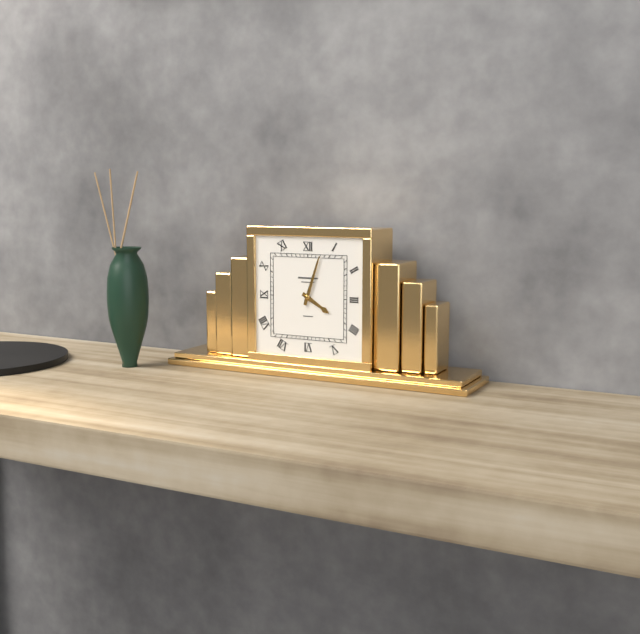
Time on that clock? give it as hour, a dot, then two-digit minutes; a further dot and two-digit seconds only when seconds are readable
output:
4.03
